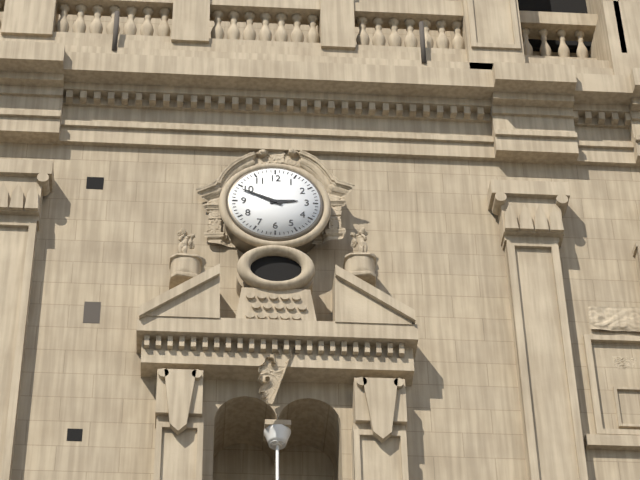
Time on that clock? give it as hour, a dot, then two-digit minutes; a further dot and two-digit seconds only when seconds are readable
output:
2.49
